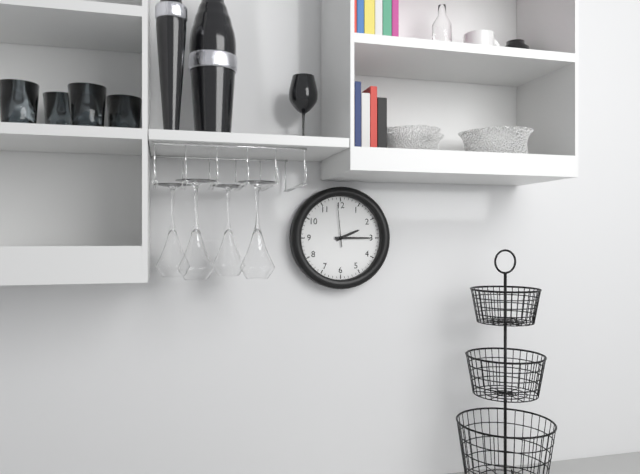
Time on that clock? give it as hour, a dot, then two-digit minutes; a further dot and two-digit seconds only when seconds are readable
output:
2.15
